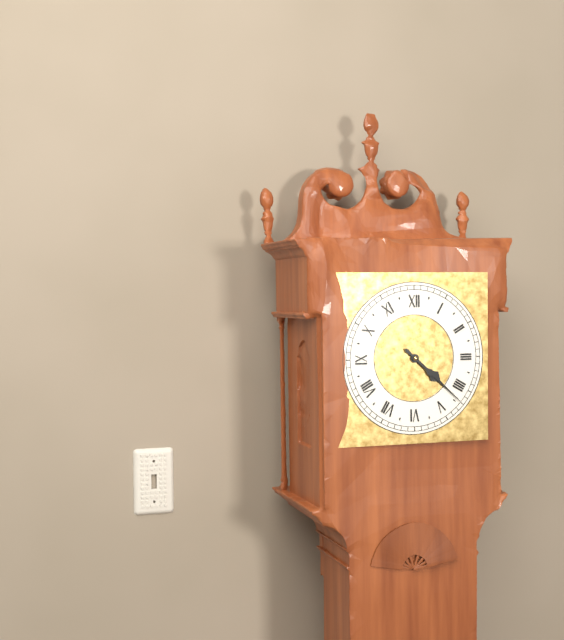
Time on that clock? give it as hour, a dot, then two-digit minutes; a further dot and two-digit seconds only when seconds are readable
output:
4.22
